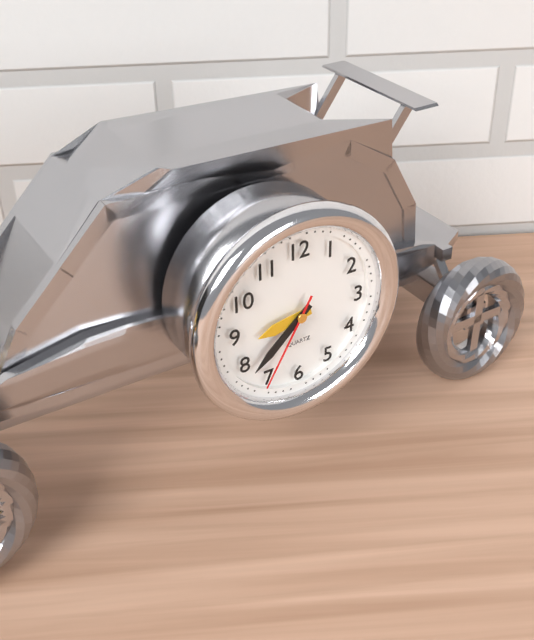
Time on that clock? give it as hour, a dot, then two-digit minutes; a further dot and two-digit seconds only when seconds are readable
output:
8.38.35
